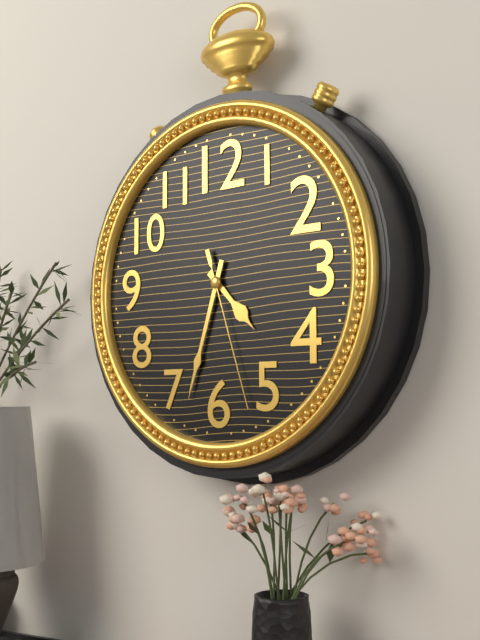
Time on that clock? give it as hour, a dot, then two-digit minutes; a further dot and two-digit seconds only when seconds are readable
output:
4.33.27
